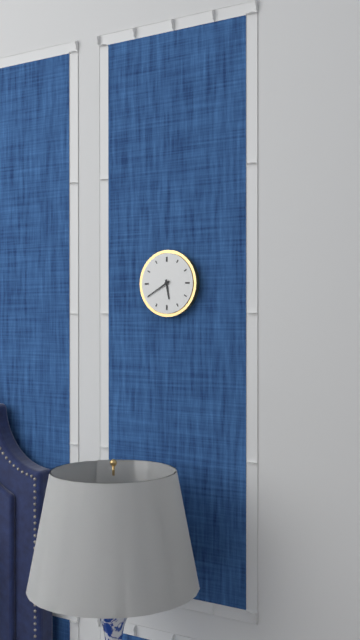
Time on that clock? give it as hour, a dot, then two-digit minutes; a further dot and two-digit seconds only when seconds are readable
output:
5.40
